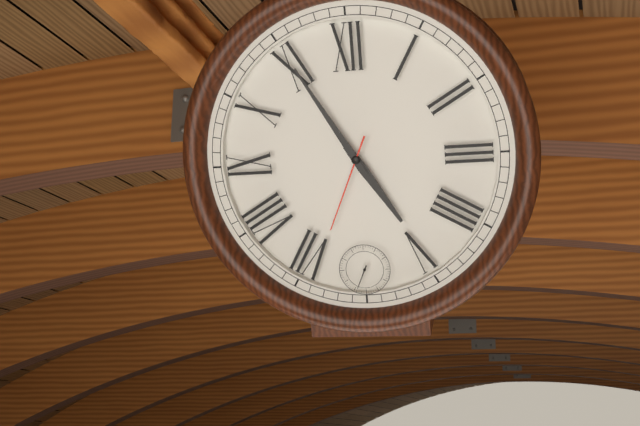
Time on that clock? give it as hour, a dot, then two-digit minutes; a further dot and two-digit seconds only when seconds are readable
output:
4.55.34
